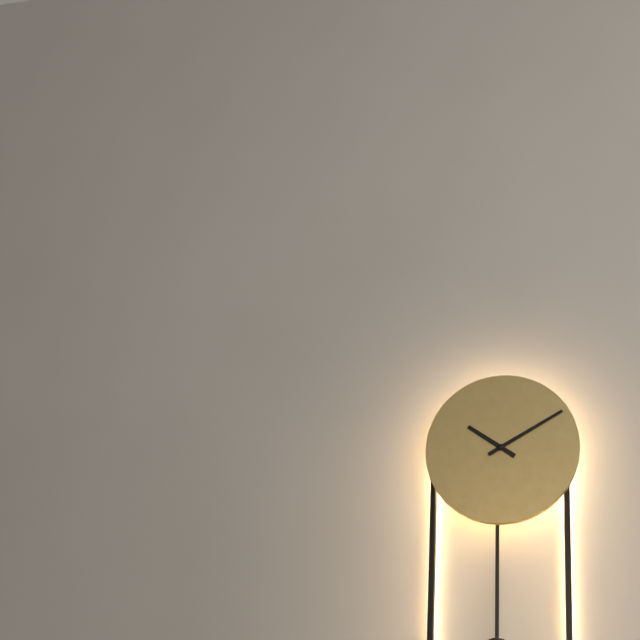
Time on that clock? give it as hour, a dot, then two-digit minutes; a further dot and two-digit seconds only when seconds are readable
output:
10.10
